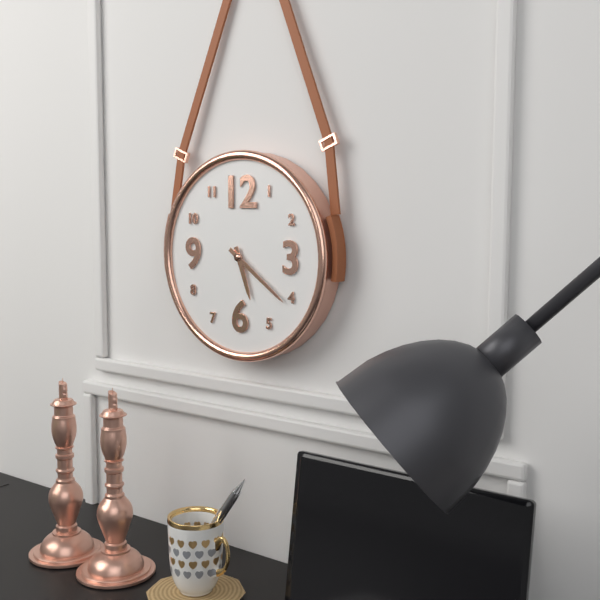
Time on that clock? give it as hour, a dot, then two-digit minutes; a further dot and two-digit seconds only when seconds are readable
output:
5.21
